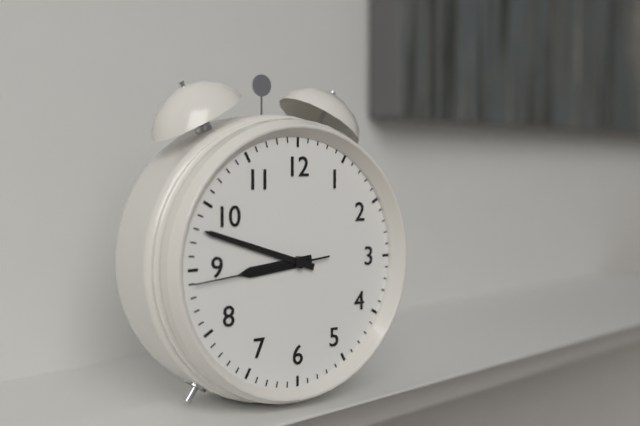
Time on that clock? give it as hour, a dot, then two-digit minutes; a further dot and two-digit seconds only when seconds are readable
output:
8.48.44
